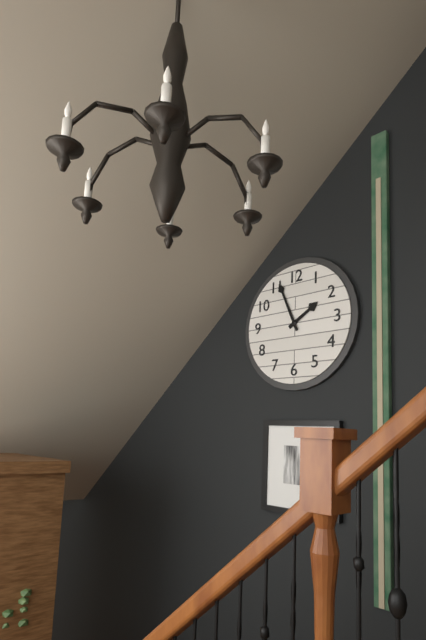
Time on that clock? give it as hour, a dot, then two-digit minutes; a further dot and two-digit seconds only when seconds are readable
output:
1.56
